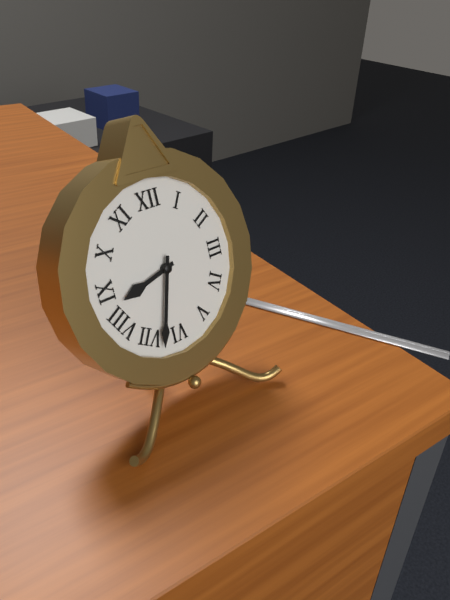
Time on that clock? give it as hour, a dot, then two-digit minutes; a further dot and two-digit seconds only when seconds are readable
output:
8.33
